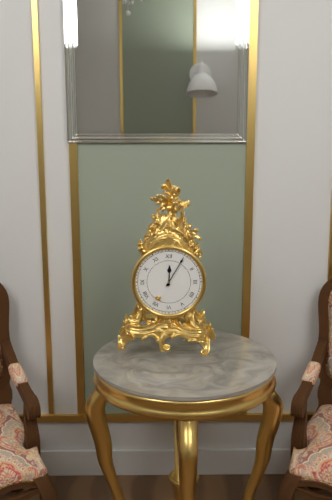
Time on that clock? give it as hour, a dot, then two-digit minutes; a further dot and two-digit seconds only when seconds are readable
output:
12.05
